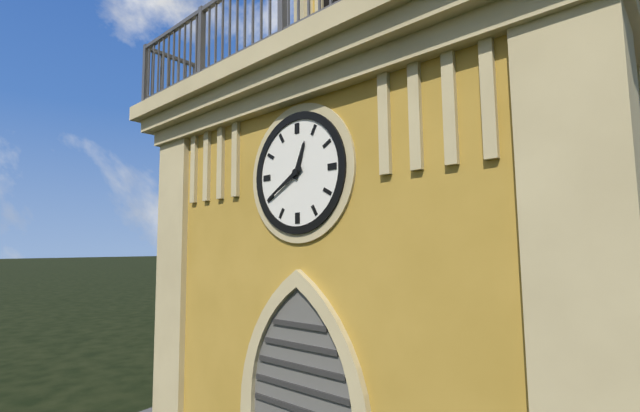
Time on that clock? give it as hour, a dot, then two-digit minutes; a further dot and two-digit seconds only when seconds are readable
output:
12.40
